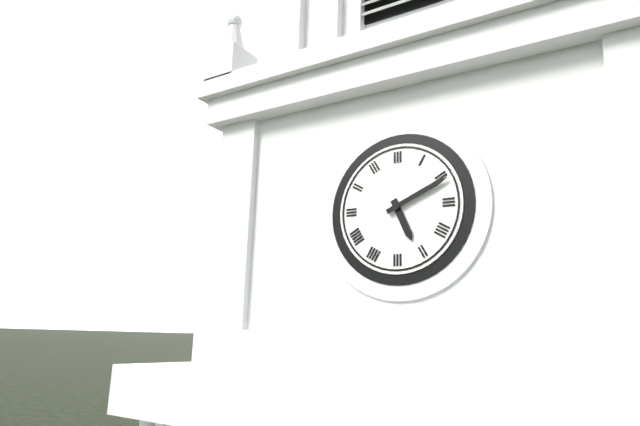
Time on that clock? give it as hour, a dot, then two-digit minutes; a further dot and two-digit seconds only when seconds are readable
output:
5.11
